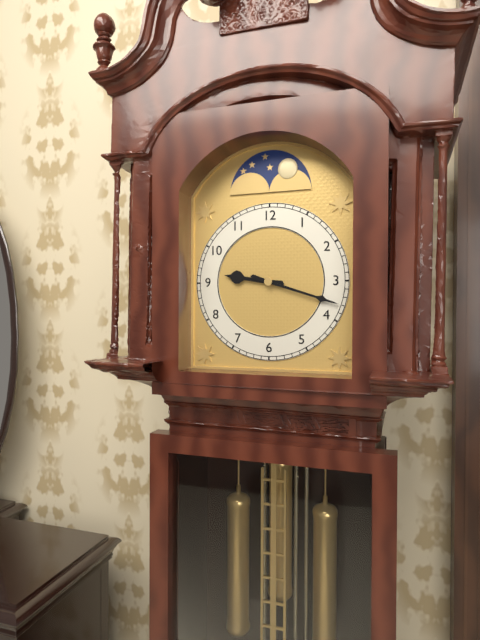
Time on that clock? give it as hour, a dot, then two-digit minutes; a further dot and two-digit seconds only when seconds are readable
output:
9.18
